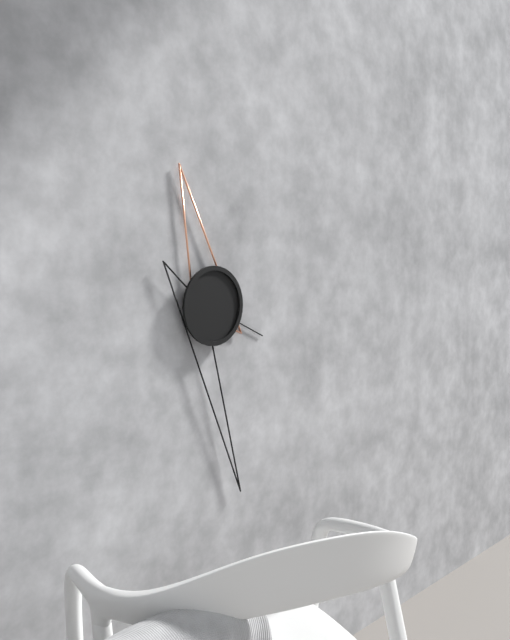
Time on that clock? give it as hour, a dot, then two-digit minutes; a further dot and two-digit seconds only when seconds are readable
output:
11.28.19
